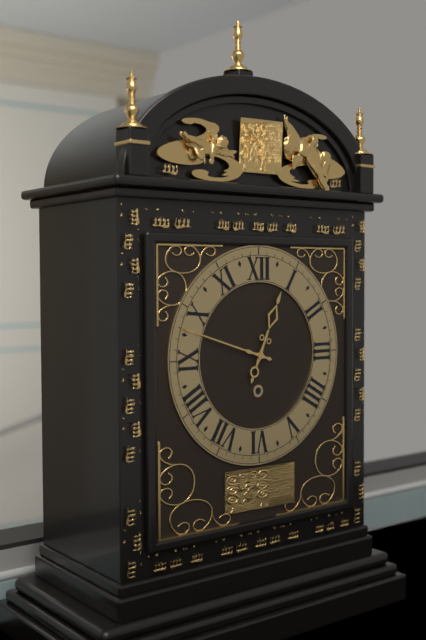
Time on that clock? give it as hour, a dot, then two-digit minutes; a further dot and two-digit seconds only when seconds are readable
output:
12.48
